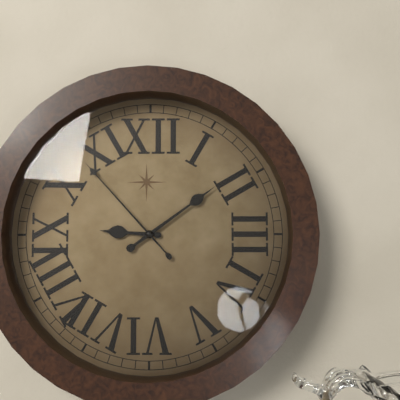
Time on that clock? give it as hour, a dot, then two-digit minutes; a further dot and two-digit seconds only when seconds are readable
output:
9.09.53
